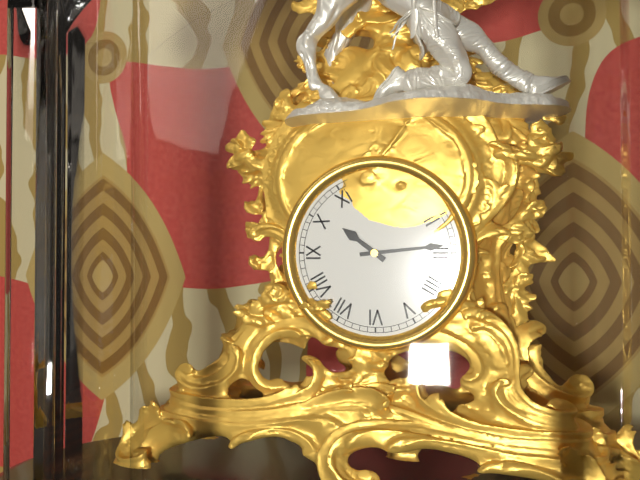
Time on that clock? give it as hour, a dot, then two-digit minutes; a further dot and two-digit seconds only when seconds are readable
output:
10.14
